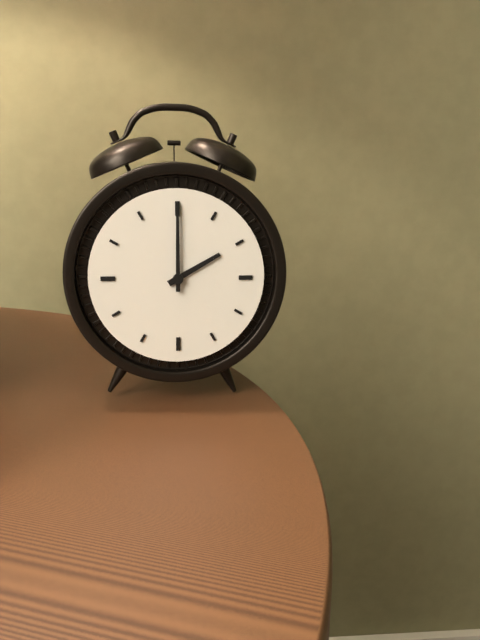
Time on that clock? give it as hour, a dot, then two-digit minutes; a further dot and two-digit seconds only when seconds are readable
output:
2.00
